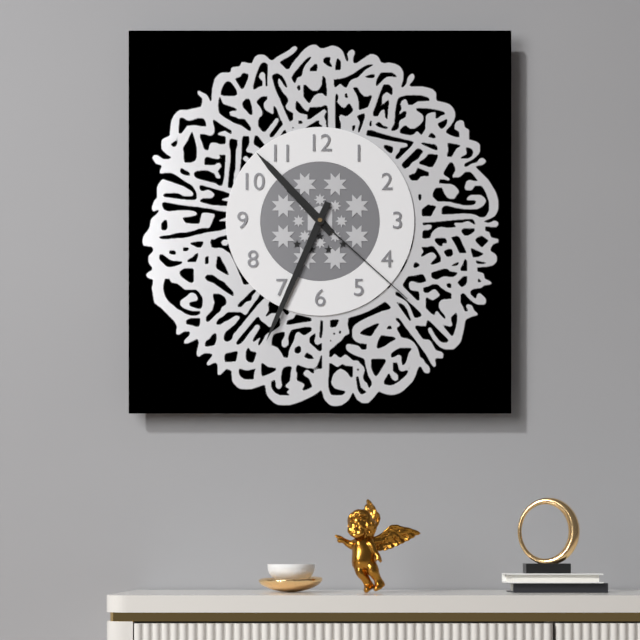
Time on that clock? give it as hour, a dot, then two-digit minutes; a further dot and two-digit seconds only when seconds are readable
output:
10.34.22
